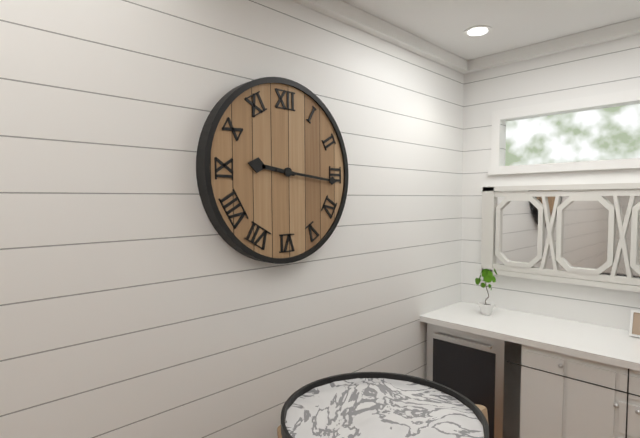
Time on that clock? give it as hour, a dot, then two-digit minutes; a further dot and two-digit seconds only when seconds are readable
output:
9.16
